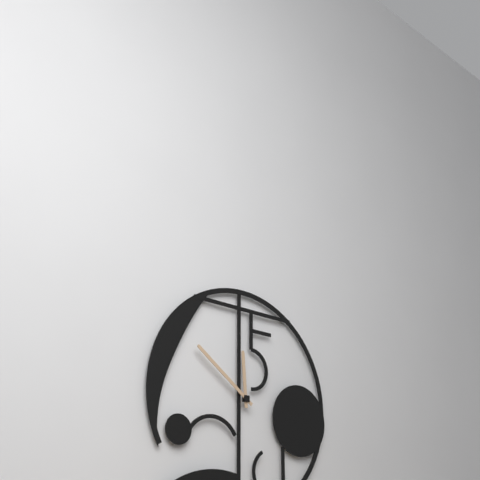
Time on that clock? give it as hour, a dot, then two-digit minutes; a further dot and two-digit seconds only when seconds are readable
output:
11.51
